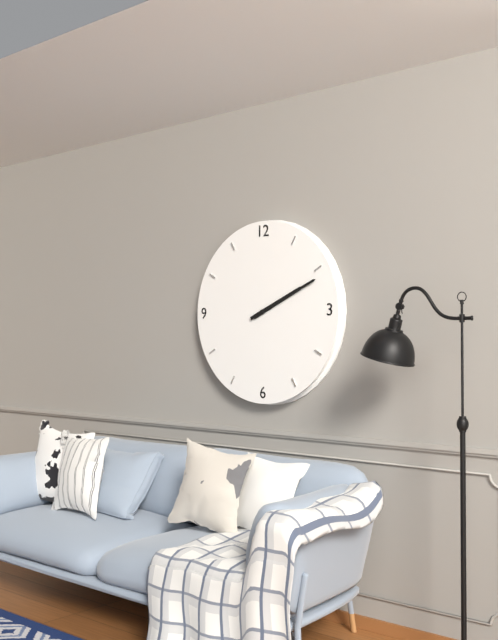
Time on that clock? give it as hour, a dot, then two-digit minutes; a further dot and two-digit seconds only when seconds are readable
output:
2.11
